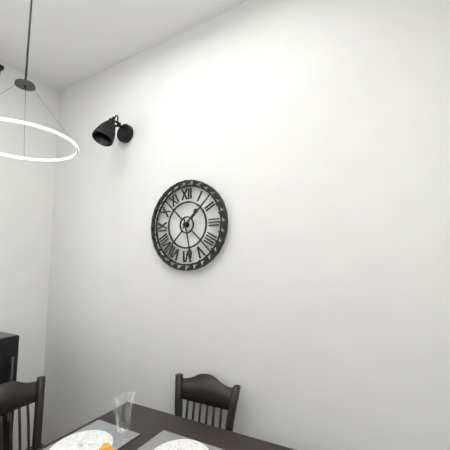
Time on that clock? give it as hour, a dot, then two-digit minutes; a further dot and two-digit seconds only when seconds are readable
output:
1.28
